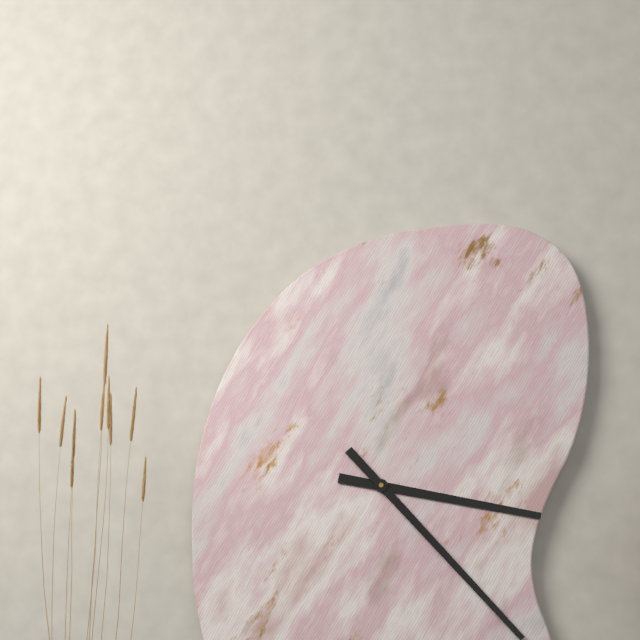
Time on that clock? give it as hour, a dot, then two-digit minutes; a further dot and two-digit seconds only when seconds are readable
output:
3.23
